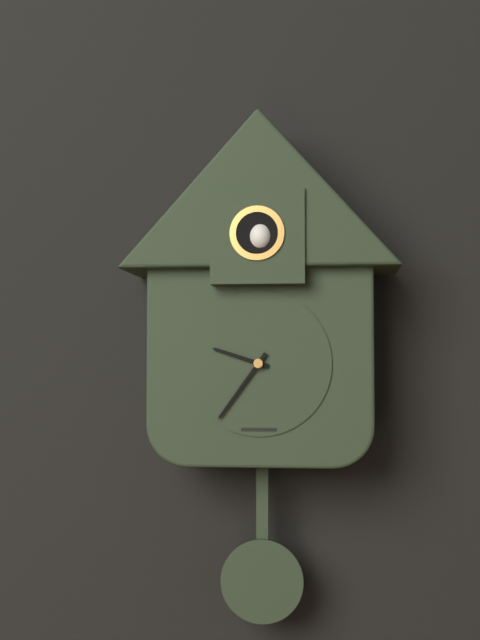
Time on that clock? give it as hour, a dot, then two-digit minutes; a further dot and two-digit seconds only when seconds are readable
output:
9.36
